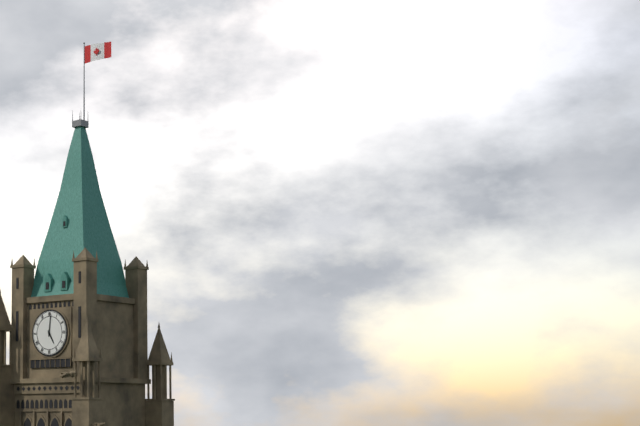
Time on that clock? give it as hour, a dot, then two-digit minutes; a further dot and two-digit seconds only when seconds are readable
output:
5.01
